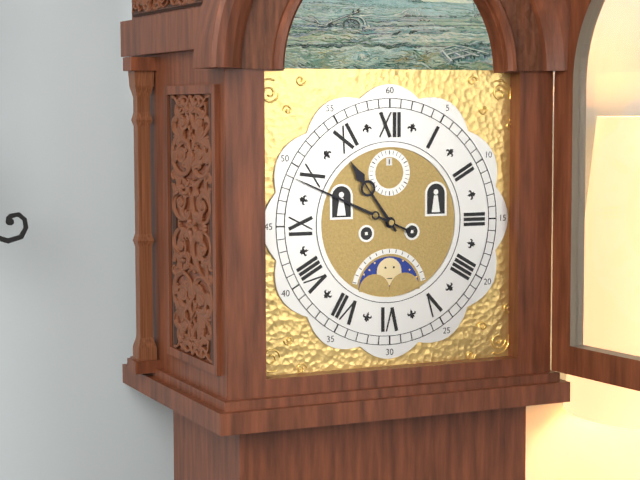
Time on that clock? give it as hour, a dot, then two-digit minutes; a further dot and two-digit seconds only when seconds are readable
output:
10.49
